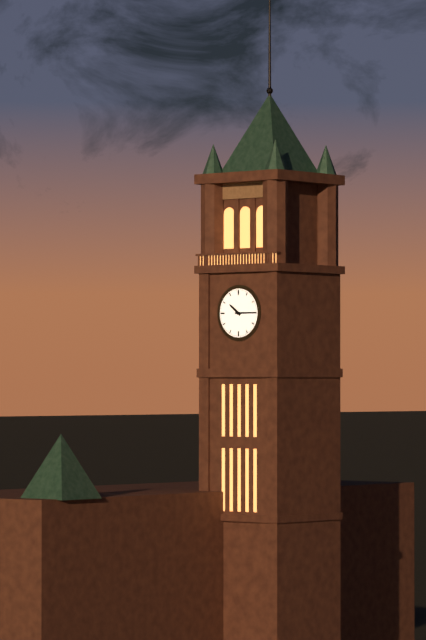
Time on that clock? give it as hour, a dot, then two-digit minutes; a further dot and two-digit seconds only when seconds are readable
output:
10.15
